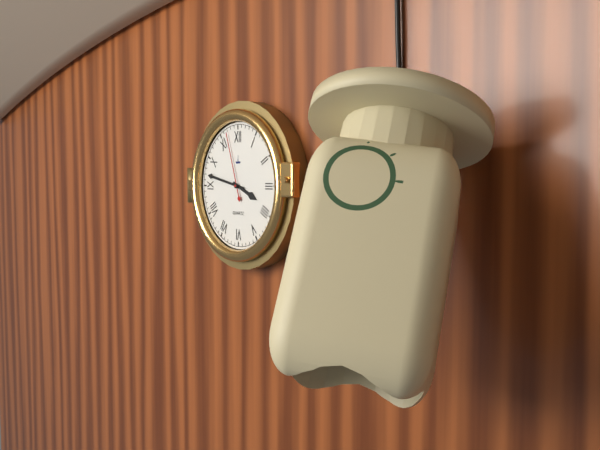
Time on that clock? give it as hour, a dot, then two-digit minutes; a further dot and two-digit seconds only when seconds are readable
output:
3.47.57
